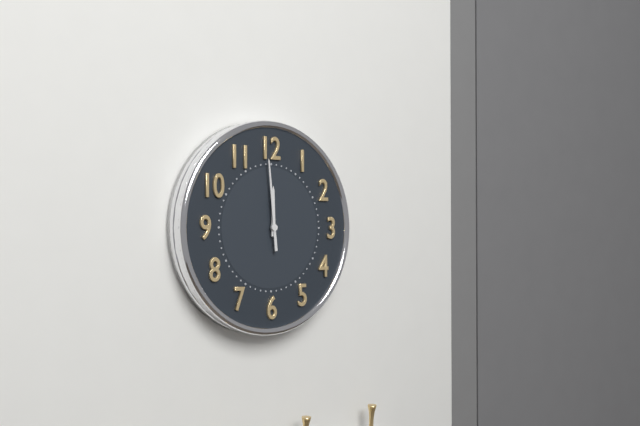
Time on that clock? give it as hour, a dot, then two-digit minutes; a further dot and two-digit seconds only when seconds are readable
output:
11.59
